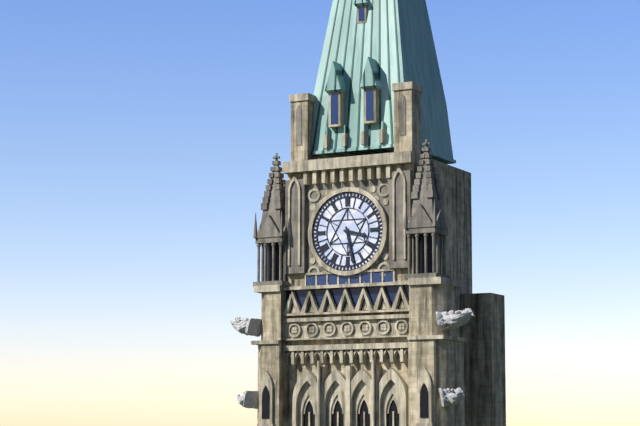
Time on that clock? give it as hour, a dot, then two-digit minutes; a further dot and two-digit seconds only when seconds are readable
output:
3.28
